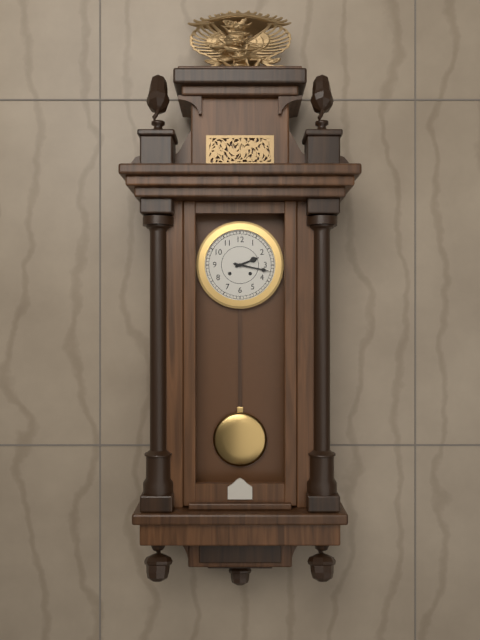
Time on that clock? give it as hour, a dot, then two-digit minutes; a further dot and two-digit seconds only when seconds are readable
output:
2.17
